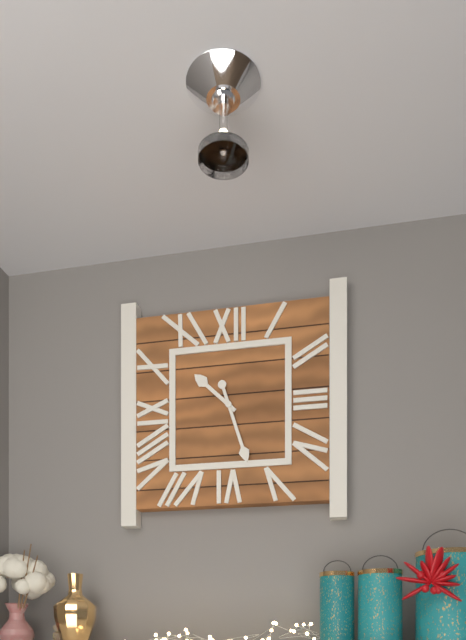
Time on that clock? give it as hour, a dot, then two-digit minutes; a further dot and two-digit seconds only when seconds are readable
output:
10.27
